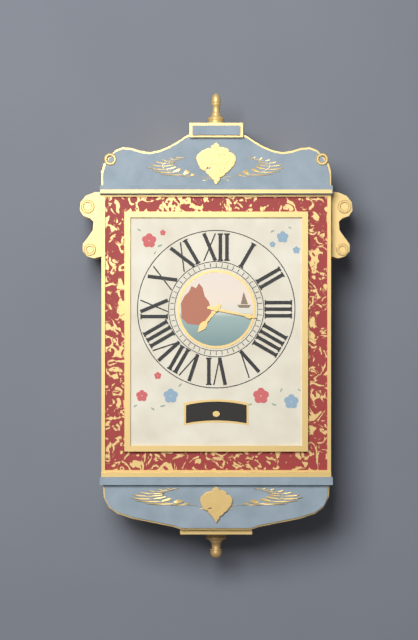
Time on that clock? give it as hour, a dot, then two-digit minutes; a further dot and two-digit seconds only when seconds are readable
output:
7.17
